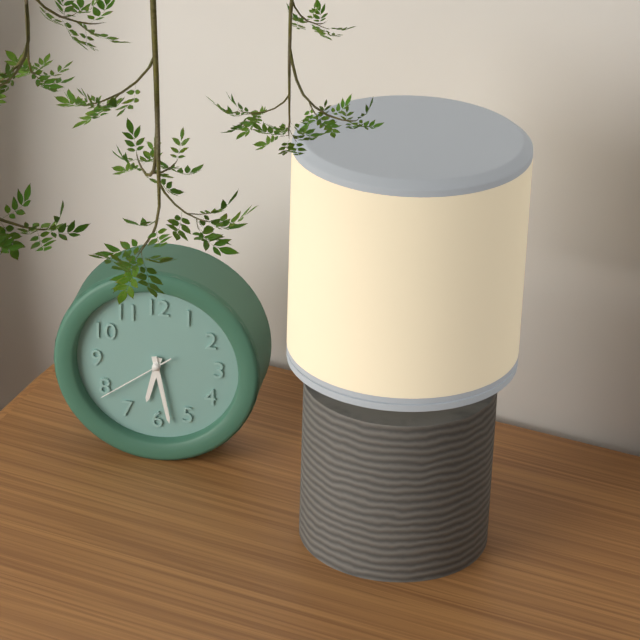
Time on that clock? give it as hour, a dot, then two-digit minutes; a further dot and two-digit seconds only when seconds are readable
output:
6.28.39
